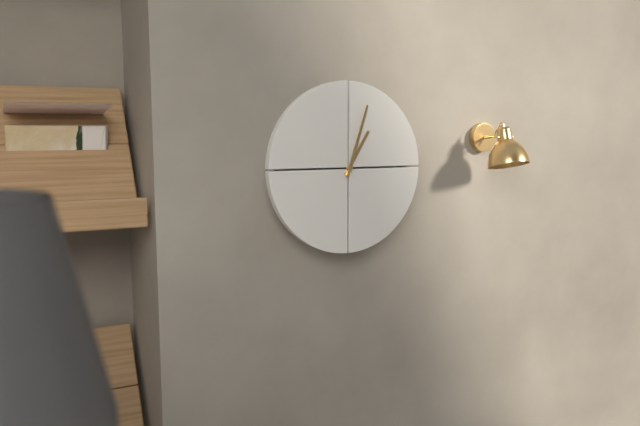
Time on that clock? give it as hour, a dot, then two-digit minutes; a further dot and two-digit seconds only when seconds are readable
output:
1.03
